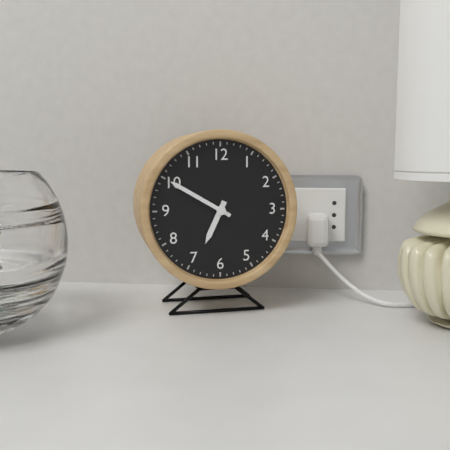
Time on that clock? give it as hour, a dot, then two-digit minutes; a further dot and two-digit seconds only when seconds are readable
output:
6.50
